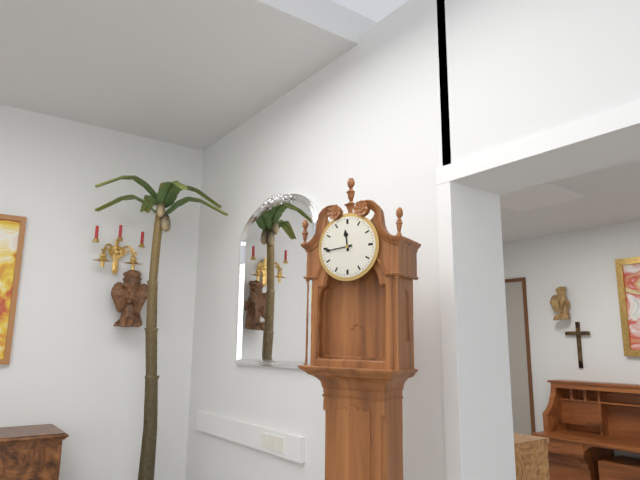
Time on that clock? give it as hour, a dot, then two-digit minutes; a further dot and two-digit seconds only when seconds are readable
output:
11.44
